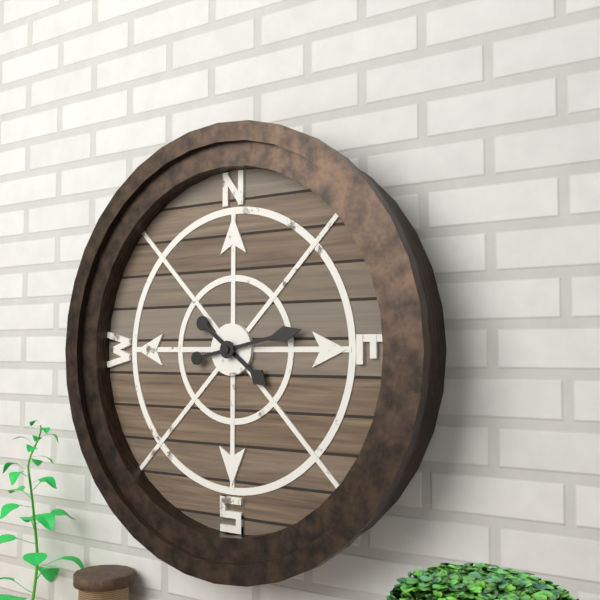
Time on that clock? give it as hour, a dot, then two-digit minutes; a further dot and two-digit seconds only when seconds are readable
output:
4.13
